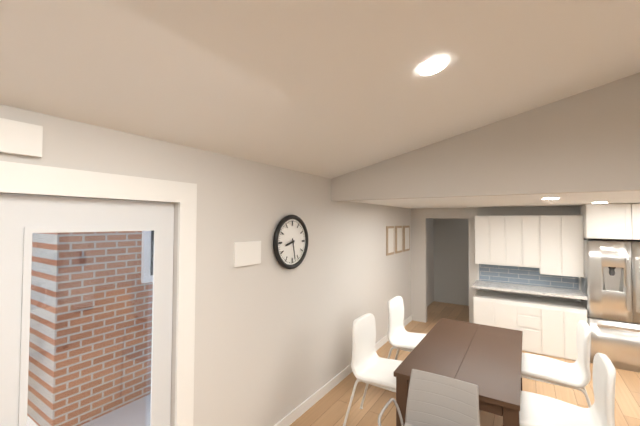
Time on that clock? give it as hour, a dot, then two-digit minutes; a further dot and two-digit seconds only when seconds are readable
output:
8.28
